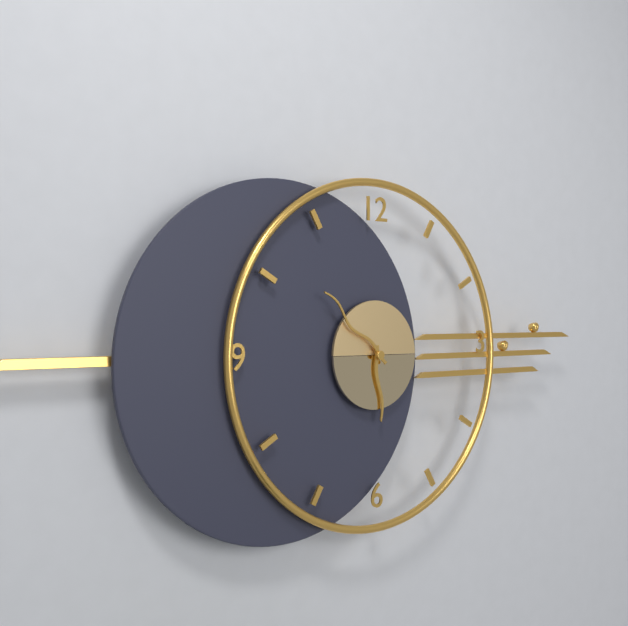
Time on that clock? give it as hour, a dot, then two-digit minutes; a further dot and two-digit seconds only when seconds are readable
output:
5.52
